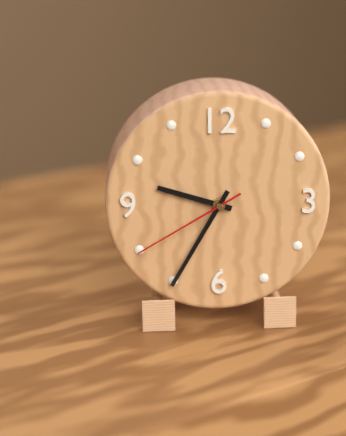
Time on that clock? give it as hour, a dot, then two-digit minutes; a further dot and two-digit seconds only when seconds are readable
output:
9.35.40
